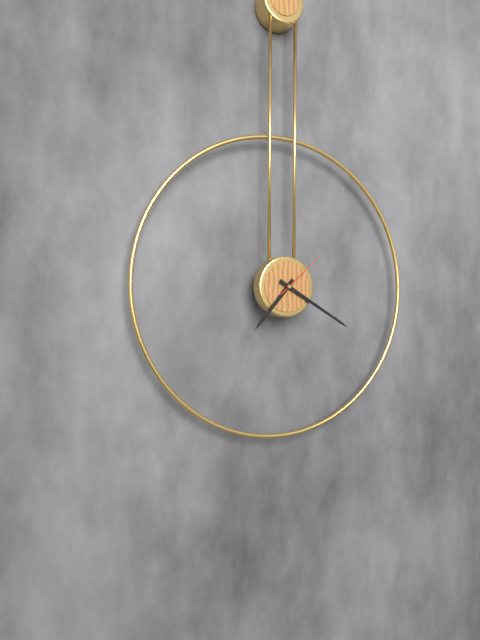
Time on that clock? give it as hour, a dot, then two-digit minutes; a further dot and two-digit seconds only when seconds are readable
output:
7.20.08
